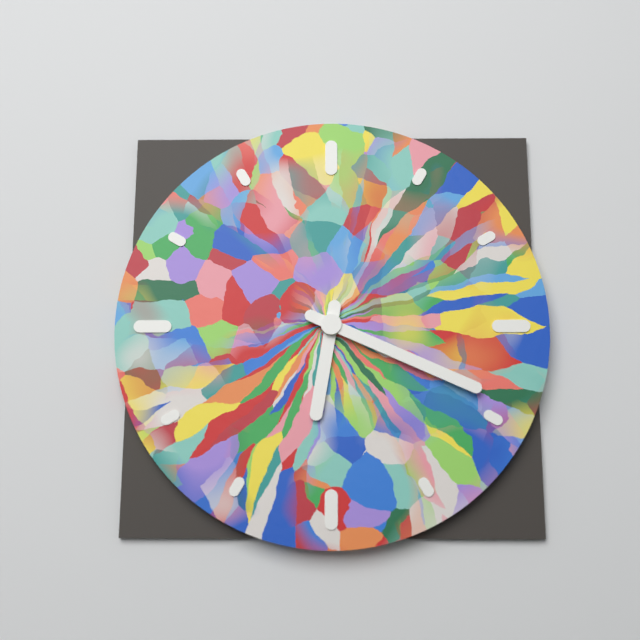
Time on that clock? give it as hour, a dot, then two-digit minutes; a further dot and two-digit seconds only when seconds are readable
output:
6.19
